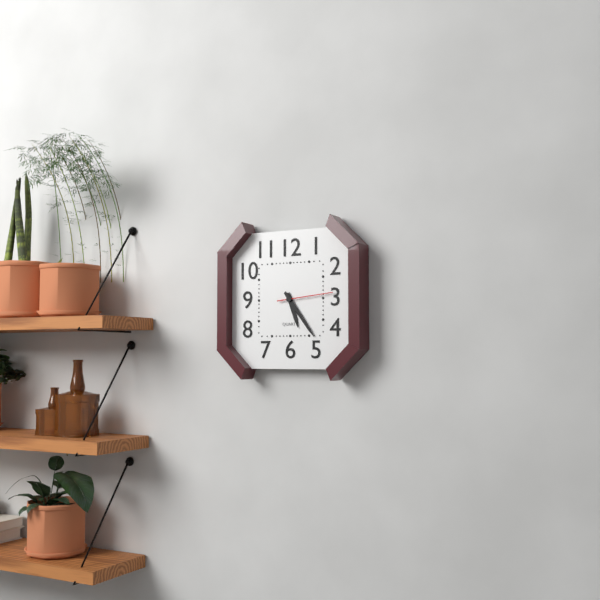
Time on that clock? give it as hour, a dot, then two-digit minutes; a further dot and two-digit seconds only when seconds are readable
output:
5.24.14
